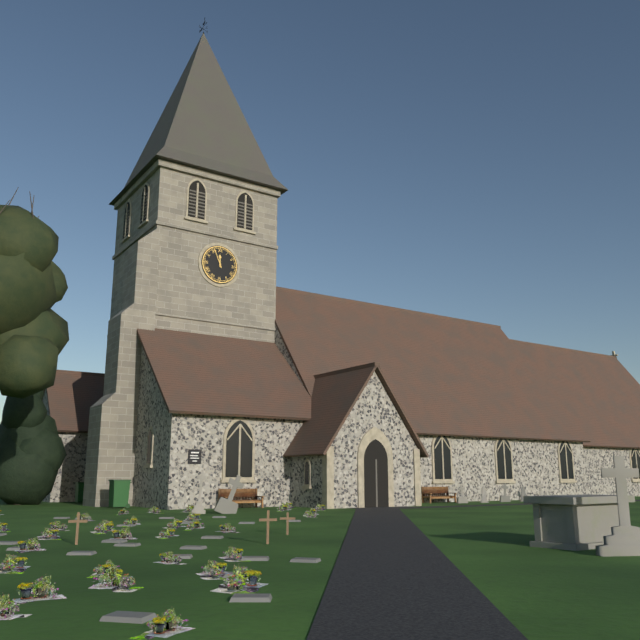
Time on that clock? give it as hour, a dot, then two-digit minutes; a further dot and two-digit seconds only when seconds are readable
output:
11.56
